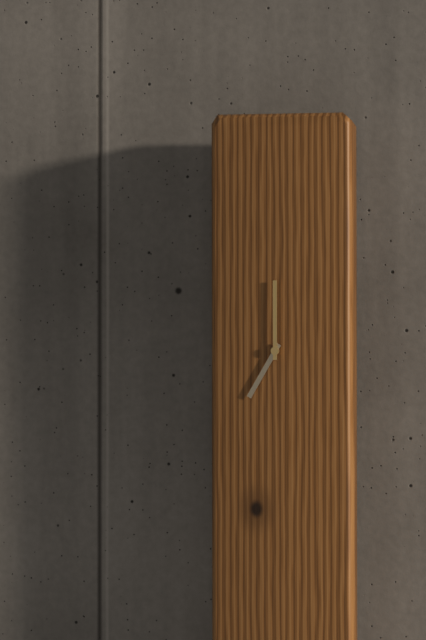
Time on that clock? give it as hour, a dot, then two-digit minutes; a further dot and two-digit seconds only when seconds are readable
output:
7.00
